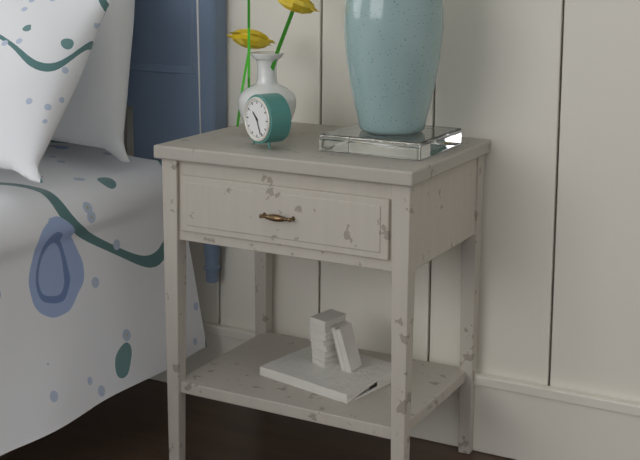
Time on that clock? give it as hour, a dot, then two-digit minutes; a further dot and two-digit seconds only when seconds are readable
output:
10.26
